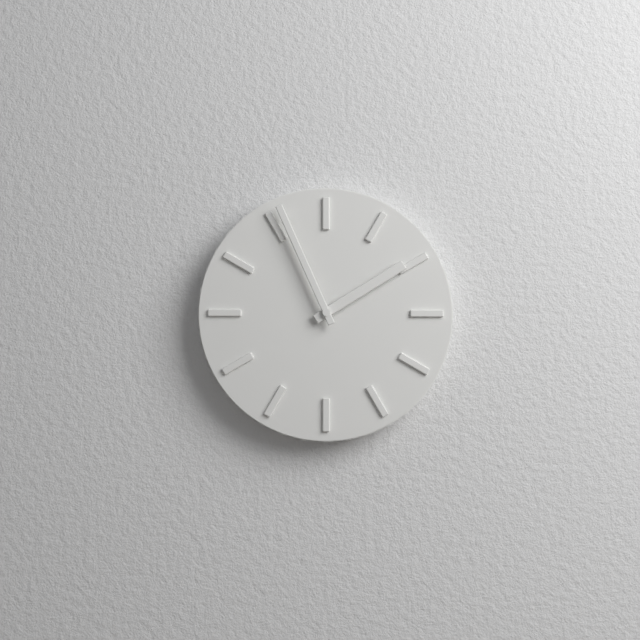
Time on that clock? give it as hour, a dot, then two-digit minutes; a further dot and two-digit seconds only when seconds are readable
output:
1.56
